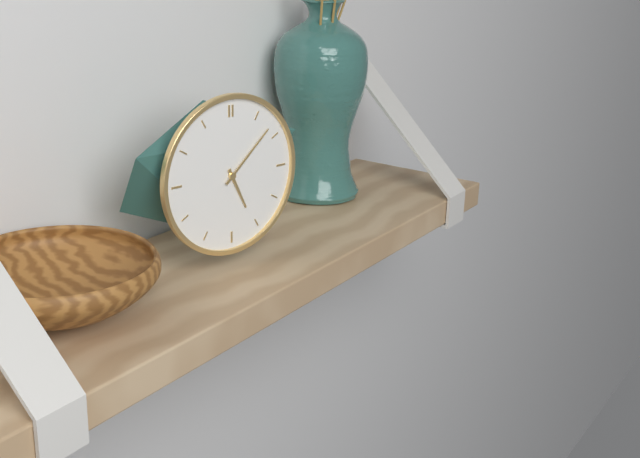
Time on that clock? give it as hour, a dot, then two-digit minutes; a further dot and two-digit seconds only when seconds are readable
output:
5.08
